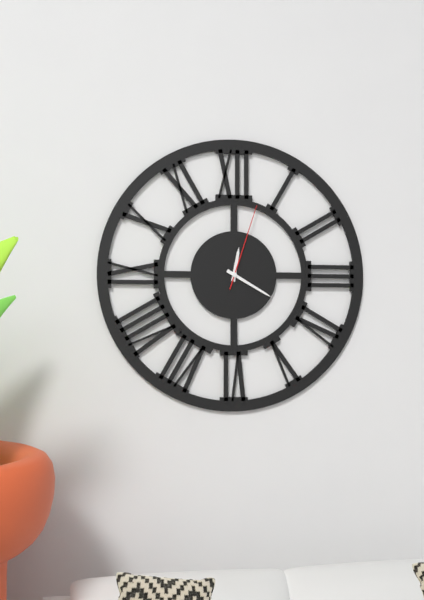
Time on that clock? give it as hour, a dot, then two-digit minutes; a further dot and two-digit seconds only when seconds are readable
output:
12.20.03
